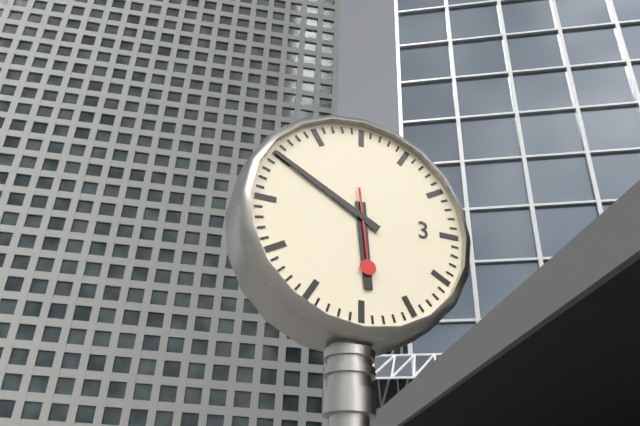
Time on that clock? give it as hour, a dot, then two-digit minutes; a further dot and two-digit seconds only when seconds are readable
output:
5.50.29
